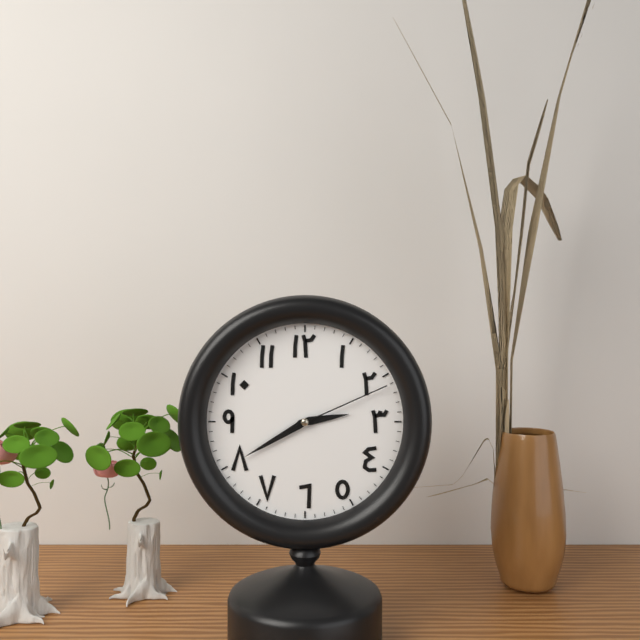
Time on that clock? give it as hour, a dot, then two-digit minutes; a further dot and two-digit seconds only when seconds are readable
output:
2.40.11
